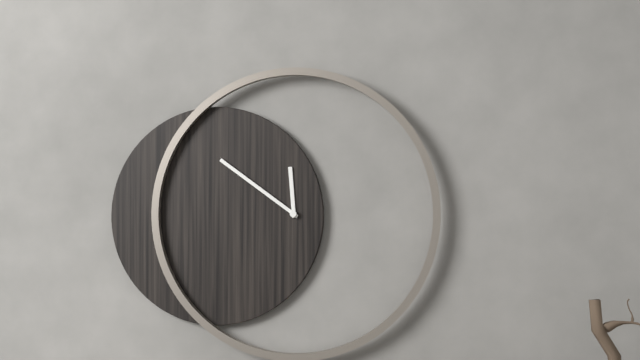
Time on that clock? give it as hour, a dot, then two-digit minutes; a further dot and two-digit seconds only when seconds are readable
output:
11.51
